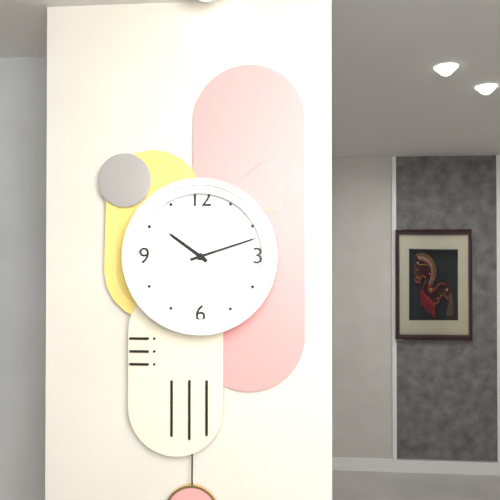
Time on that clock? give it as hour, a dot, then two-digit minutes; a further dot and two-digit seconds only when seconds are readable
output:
10.12
